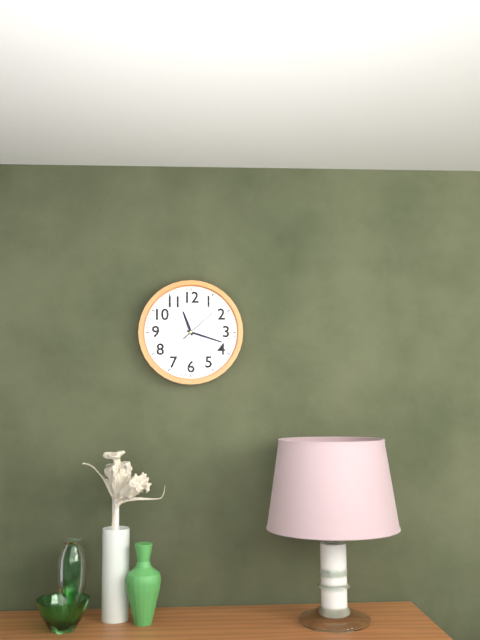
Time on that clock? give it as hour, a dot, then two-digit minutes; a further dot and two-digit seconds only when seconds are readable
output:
11.18
